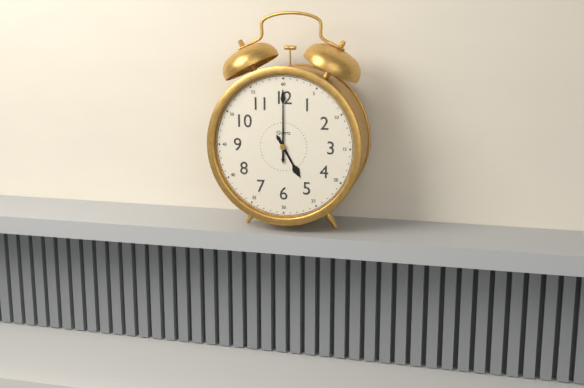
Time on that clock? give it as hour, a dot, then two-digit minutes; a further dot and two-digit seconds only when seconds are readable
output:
5.00
